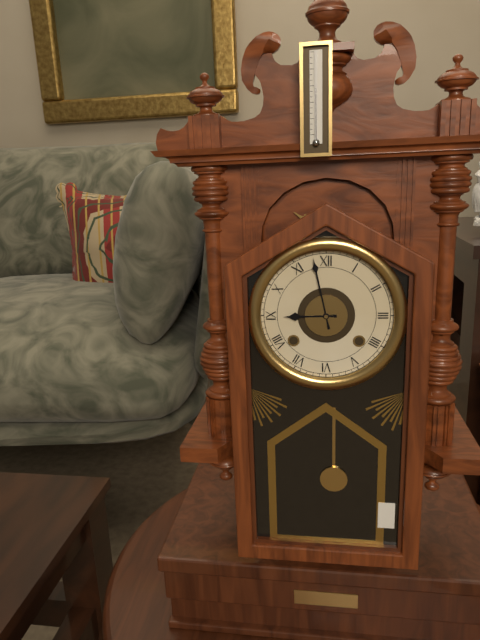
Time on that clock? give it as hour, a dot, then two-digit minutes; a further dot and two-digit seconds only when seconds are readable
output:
8.58
